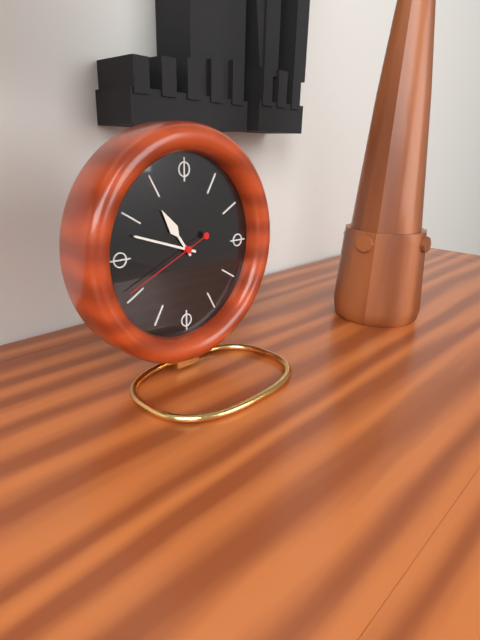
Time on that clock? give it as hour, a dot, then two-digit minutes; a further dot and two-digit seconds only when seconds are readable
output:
10.48.41
